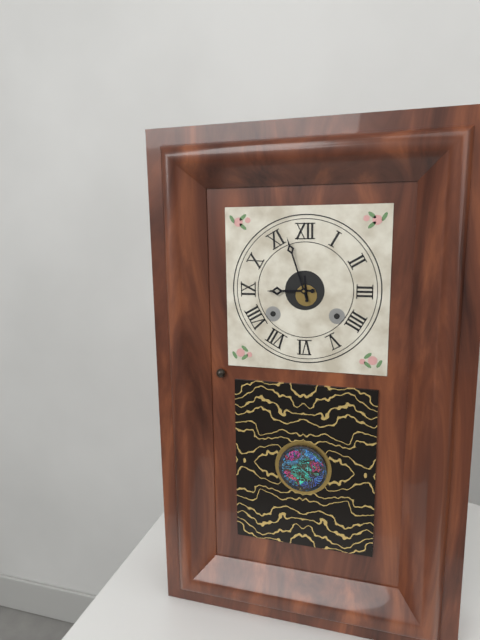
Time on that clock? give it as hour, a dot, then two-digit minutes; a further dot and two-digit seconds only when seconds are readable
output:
8.57
